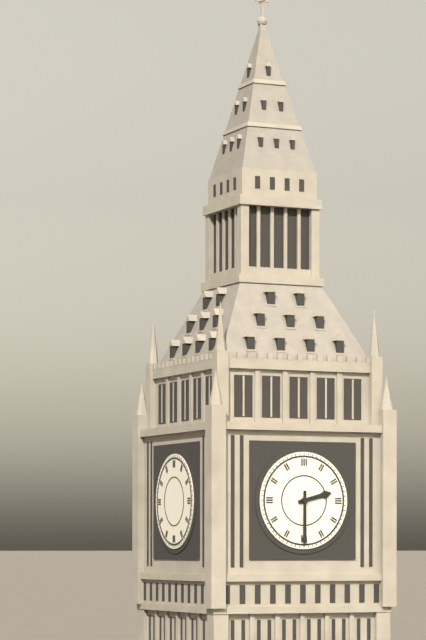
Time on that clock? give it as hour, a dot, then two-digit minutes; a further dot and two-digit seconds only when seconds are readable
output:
2.30
